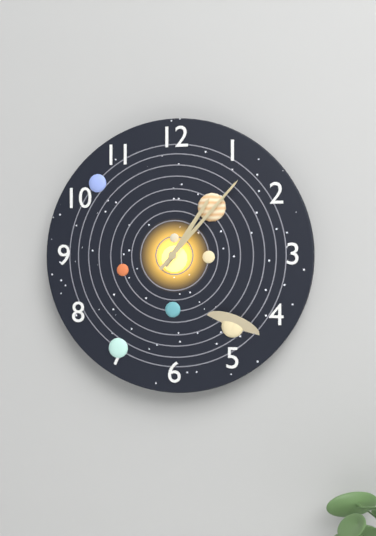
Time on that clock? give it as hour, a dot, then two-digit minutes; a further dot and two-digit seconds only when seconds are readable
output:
1.07
